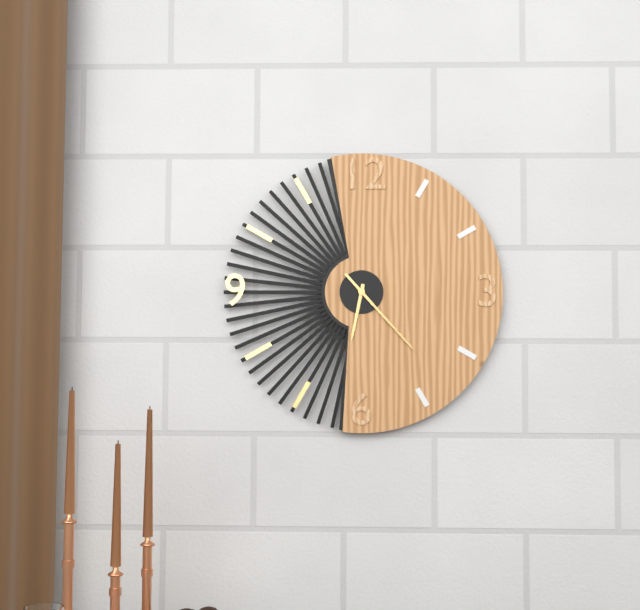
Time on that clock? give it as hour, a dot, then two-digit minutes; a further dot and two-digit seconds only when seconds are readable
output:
6.23
